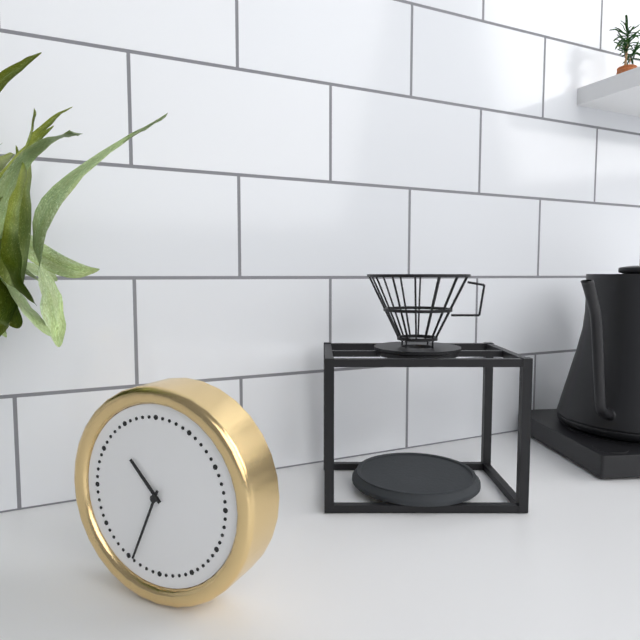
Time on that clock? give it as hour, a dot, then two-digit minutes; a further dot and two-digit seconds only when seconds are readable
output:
10.34
